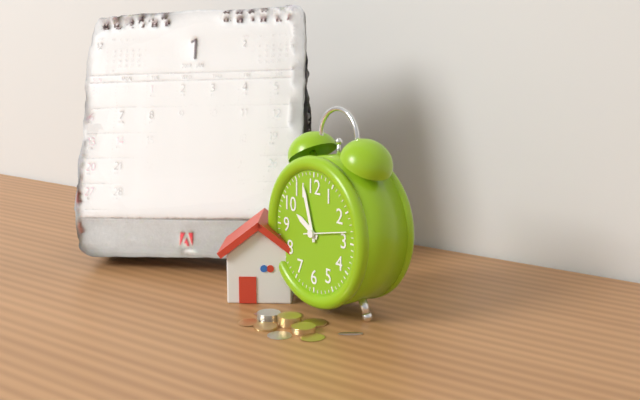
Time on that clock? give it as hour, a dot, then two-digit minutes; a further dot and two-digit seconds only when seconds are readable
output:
9.57
